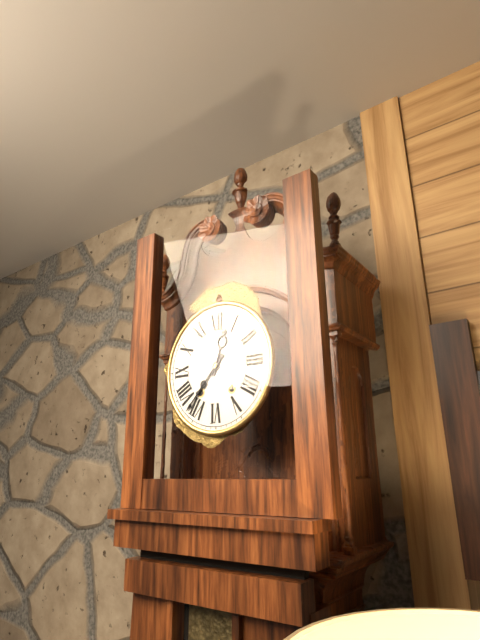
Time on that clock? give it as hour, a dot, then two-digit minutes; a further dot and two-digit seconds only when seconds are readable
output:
12.37
